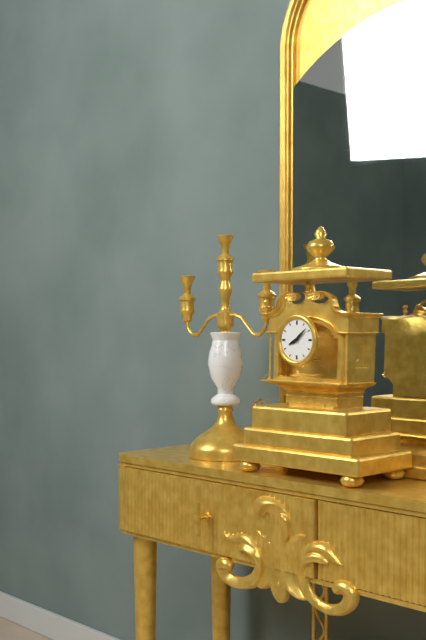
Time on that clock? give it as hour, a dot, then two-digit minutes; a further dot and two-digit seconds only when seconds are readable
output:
8.08
